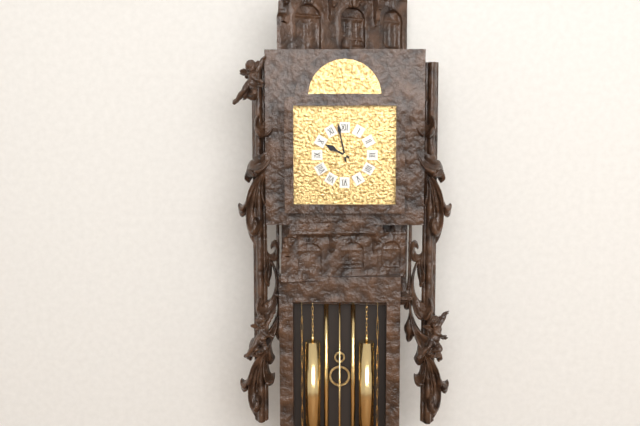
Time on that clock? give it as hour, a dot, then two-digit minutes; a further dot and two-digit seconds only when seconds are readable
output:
9.58
